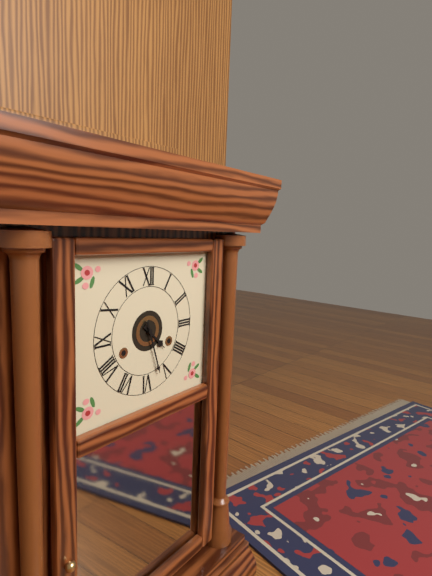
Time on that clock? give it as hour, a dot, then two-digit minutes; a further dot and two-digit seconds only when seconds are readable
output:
4.27
